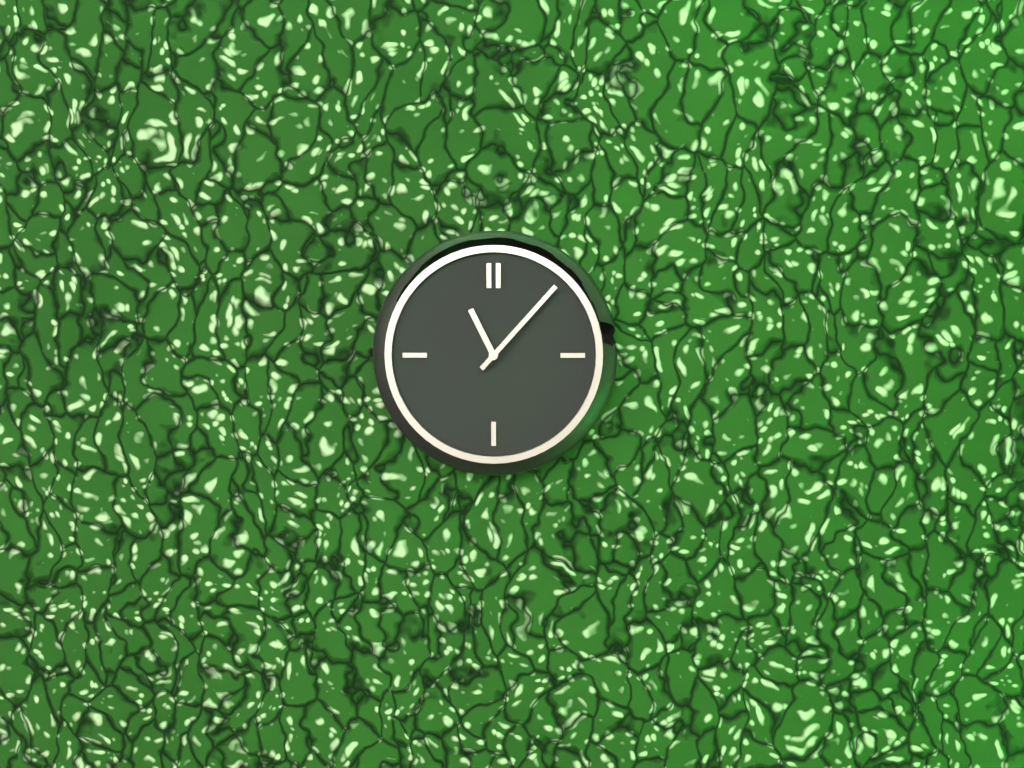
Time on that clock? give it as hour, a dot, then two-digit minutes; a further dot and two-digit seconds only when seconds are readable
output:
11.07
